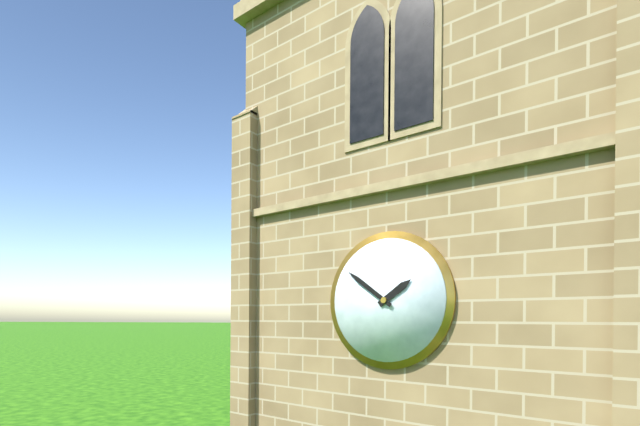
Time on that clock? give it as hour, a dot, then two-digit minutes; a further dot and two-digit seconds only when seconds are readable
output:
1.51
